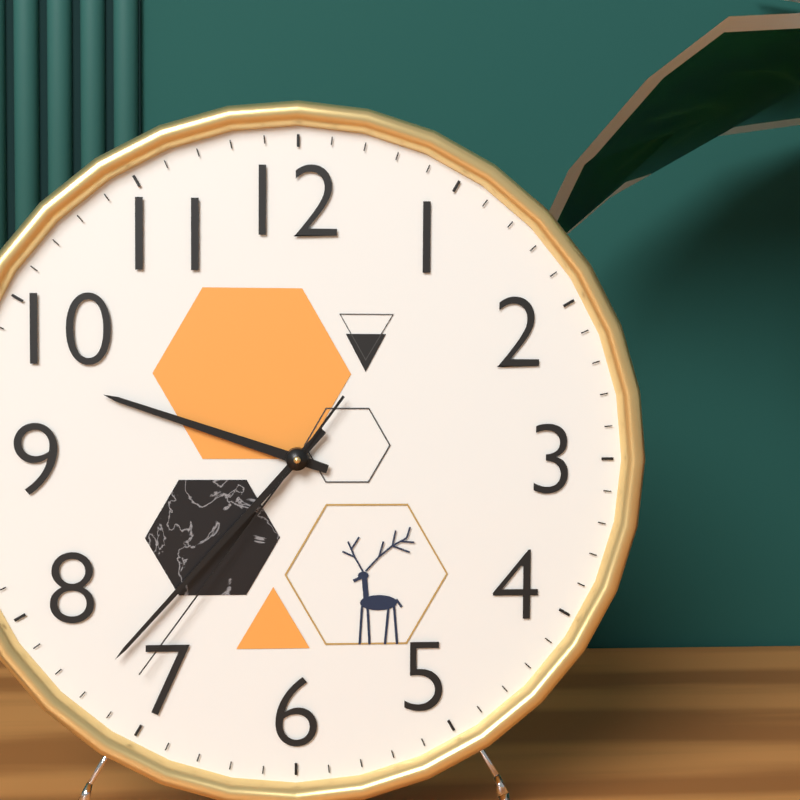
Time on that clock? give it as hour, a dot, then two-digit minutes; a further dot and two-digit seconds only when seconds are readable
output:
9.37.36
